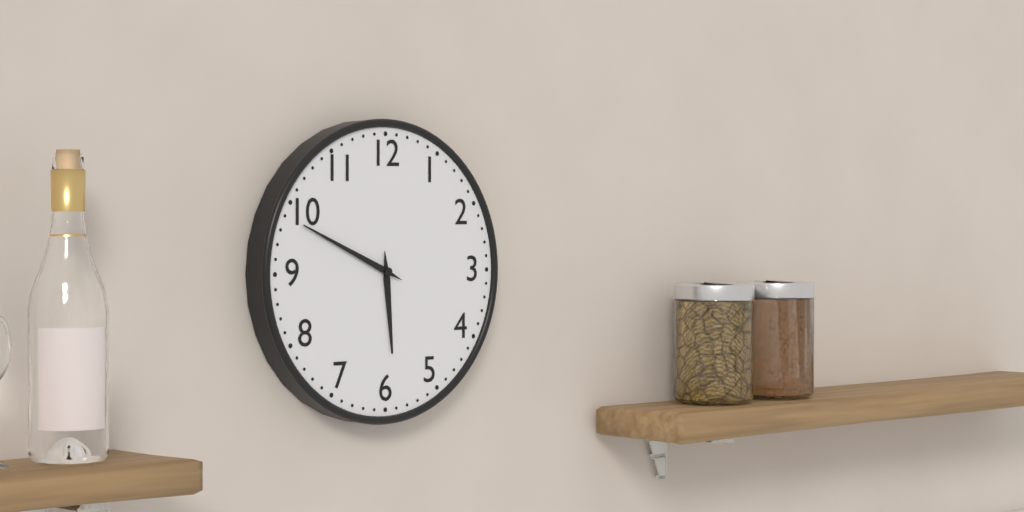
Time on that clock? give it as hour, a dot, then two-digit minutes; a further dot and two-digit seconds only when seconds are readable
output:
5.49
